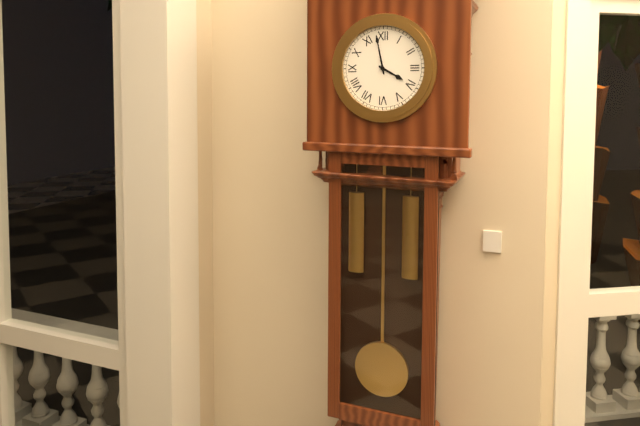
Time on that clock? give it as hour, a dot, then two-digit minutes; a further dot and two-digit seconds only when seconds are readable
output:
3.58
